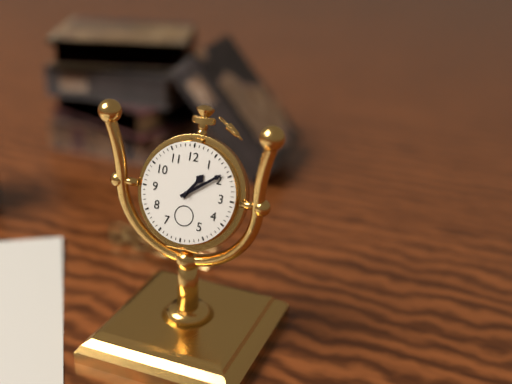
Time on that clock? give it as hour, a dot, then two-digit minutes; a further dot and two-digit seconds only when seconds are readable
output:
1.09
